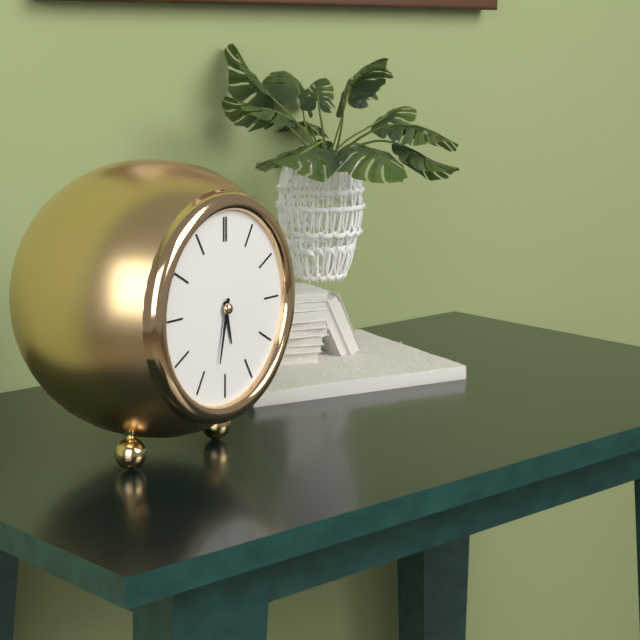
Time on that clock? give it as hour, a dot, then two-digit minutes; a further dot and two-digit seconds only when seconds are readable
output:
5.32
